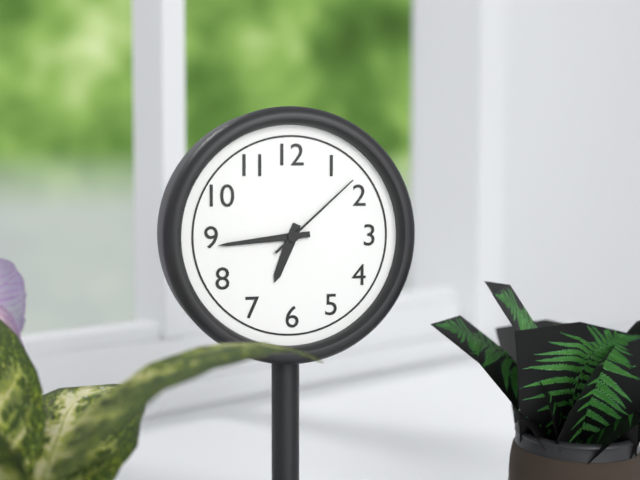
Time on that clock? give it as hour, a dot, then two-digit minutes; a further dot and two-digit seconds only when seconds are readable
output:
6.44.08
